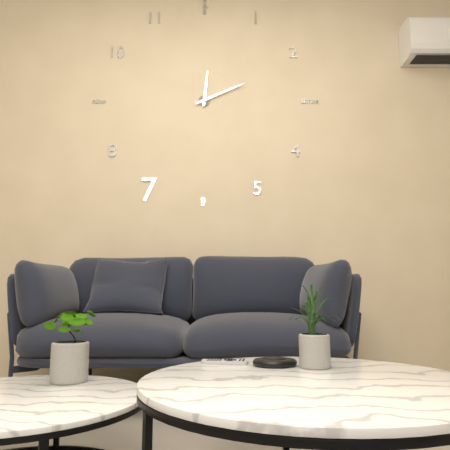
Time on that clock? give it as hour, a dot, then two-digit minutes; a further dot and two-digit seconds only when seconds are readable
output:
12.11
